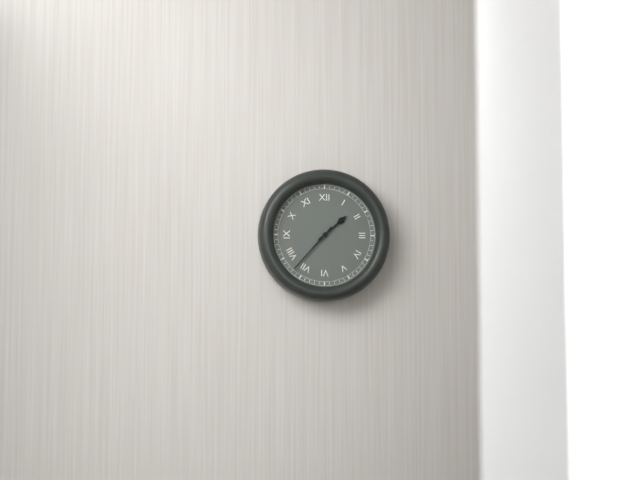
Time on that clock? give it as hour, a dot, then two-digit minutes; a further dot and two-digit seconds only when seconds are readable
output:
1.37
